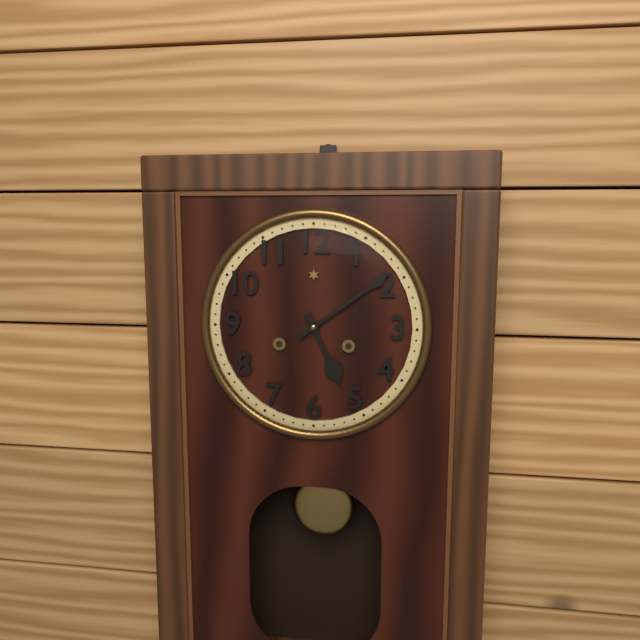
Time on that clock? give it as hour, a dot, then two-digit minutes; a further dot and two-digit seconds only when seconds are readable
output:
5.09
